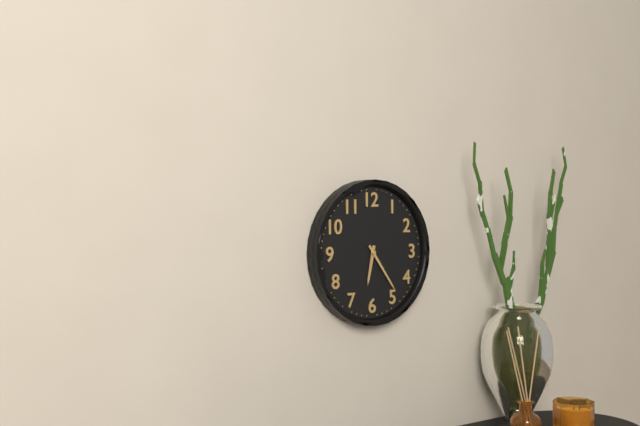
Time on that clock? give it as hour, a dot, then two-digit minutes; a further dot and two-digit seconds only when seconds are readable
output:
6.24
